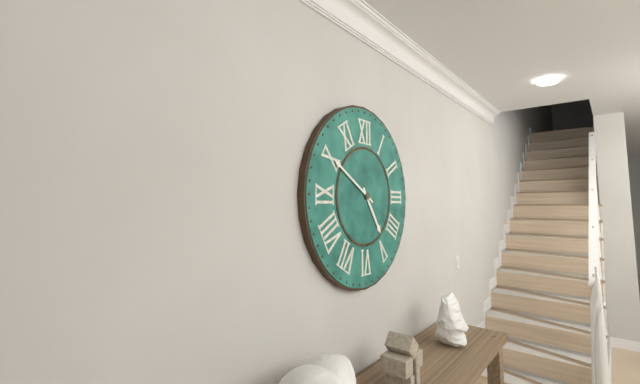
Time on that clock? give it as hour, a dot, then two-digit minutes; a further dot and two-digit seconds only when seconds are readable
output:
4.50
